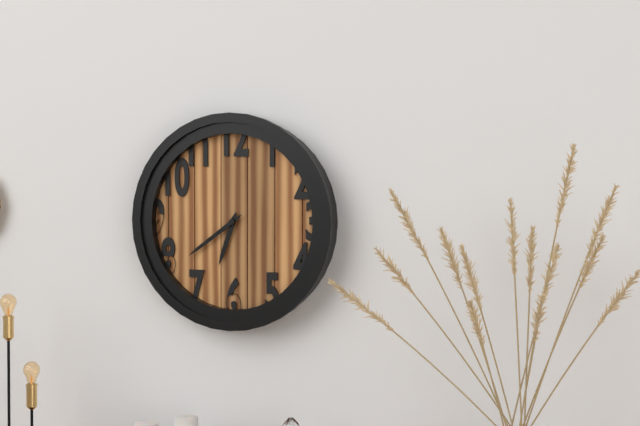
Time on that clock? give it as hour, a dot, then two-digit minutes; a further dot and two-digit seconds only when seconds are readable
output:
6.39
